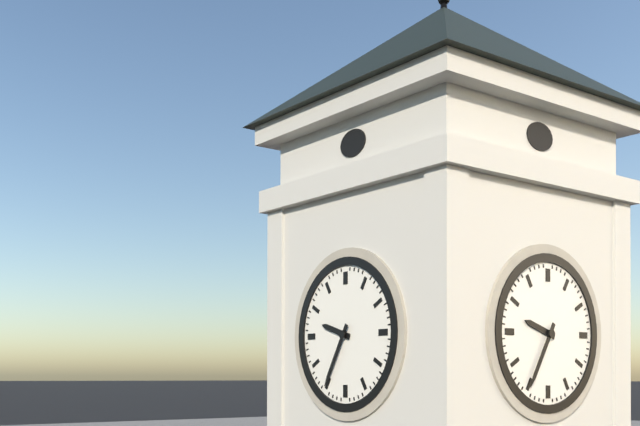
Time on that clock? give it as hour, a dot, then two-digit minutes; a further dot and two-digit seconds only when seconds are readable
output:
9.35
